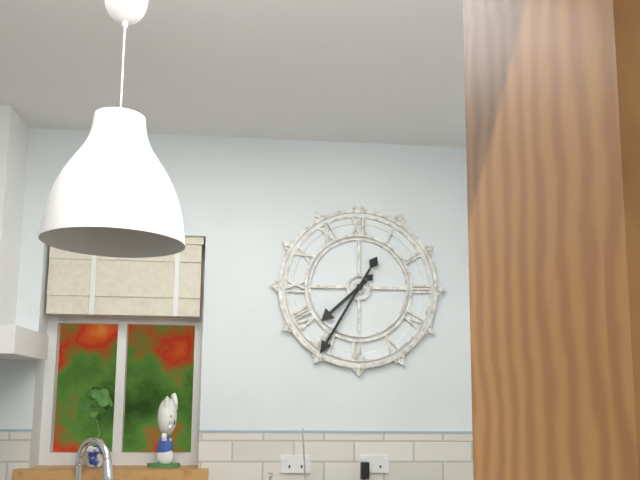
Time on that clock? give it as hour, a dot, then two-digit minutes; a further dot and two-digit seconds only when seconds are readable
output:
7.35
